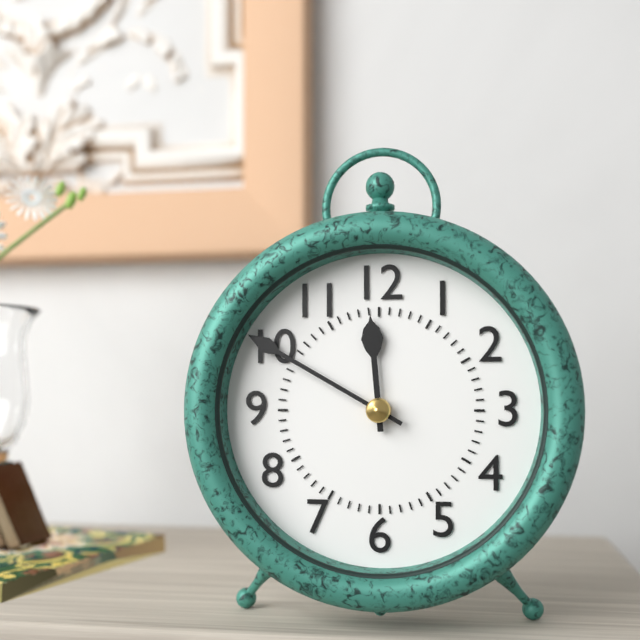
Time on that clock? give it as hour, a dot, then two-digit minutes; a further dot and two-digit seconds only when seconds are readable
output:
11.50
